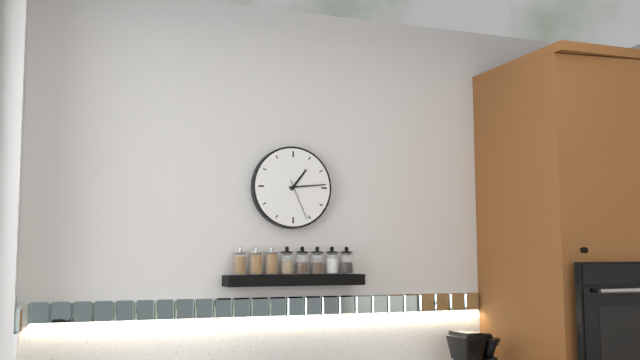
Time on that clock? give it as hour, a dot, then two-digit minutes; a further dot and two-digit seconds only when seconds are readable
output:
1.14
